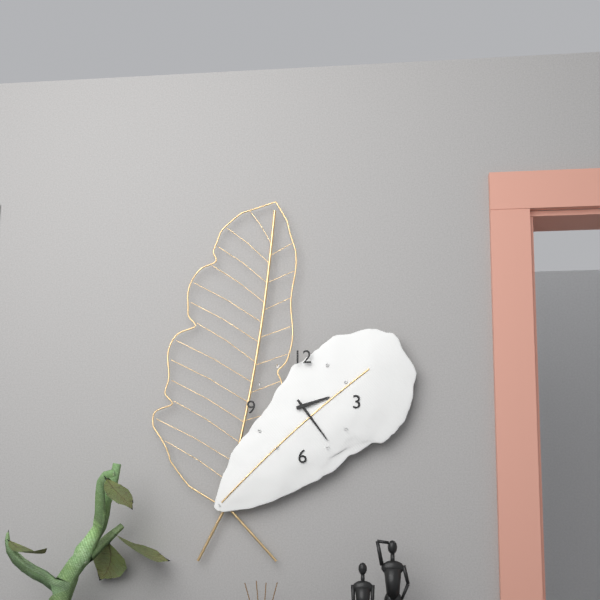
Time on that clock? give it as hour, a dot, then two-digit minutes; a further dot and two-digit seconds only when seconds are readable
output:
2.24
